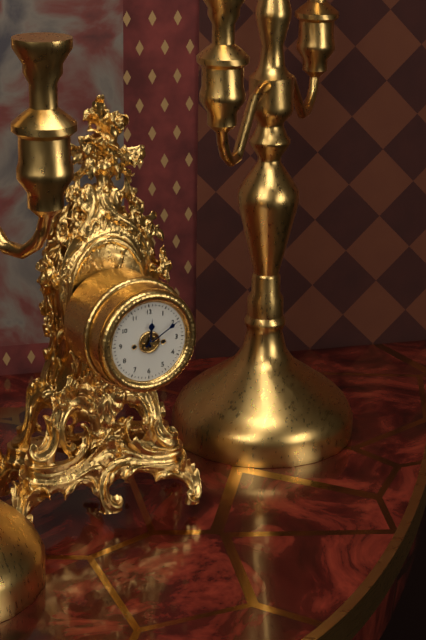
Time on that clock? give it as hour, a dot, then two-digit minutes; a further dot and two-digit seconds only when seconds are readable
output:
12.10
